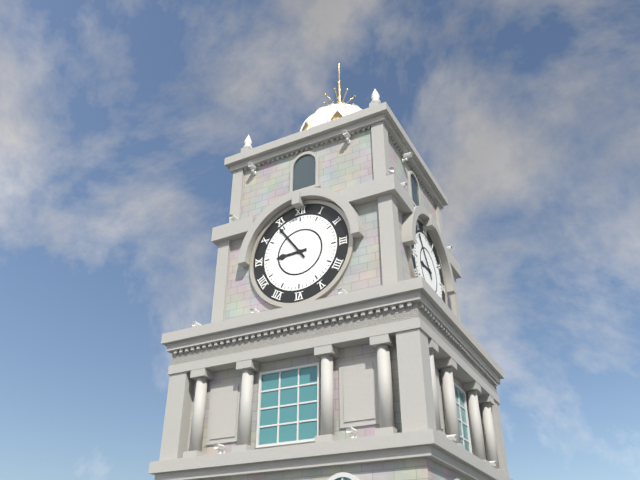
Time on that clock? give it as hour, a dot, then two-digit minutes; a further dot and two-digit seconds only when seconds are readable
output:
8.54
